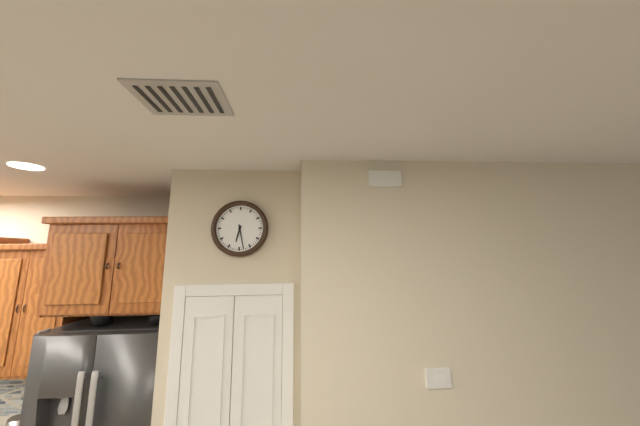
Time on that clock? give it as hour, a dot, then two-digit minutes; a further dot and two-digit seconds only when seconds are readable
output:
6.28
